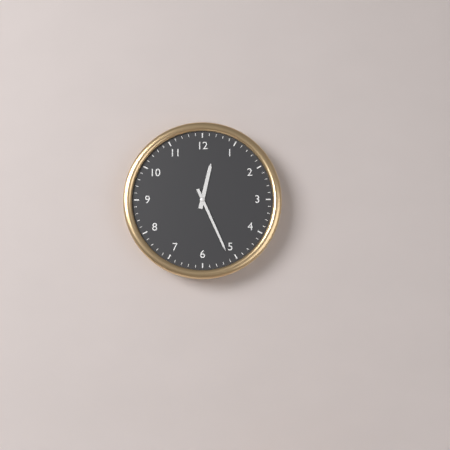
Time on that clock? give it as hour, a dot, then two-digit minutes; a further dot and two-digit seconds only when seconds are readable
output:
12.26
